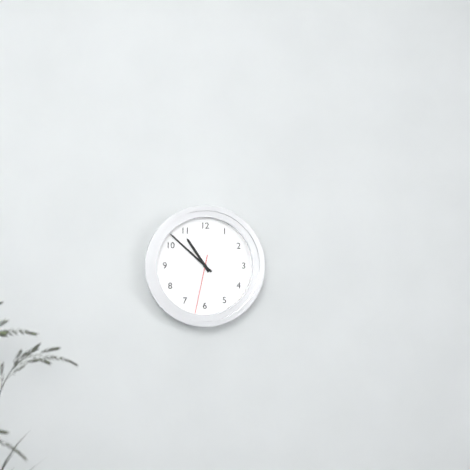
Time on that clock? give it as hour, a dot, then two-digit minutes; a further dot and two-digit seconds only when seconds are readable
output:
10.52.32
